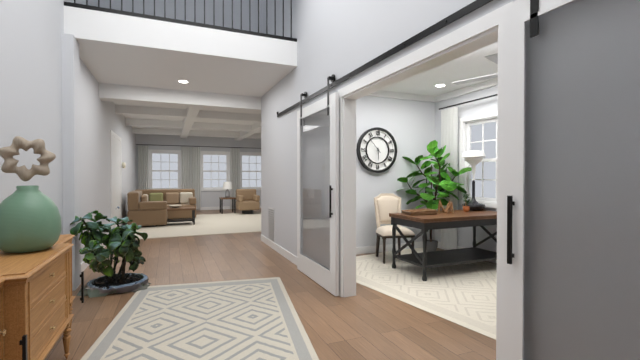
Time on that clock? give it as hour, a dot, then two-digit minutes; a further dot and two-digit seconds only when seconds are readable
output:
5.53
